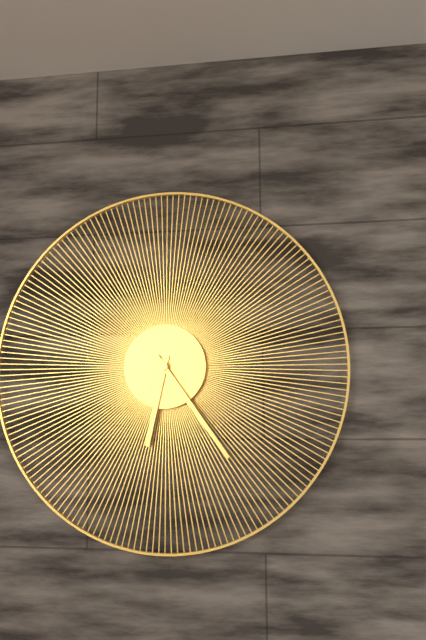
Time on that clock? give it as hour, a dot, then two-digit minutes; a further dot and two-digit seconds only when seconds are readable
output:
6.24
